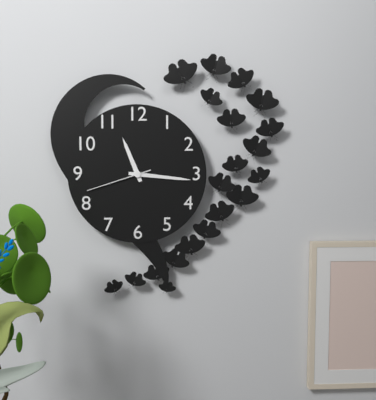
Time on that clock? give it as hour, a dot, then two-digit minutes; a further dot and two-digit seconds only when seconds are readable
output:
11.16.42
